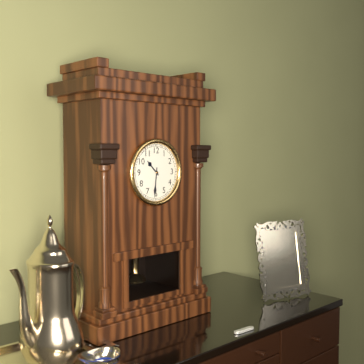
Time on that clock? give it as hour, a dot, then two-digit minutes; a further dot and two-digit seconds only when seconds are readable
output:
10.31
